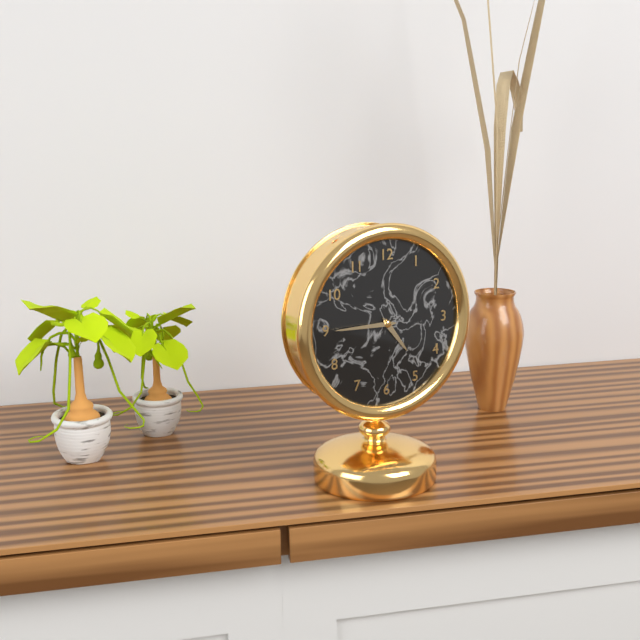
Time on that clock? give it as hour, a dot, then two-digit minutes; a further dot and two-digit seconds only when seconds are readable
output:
4.45
